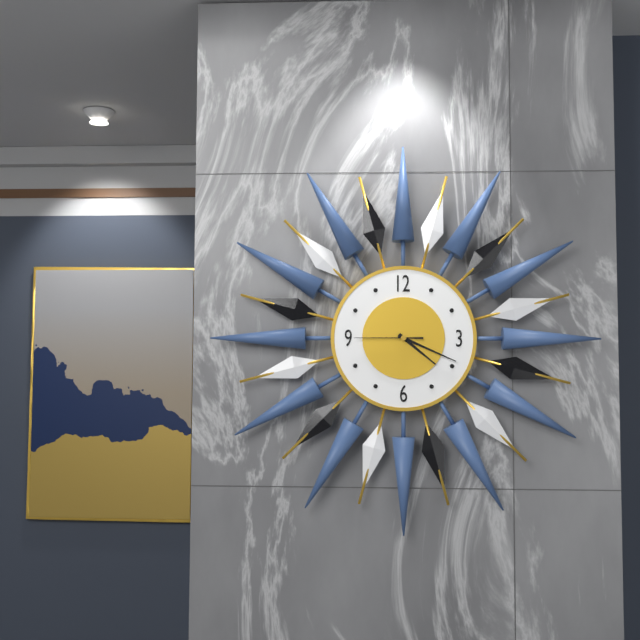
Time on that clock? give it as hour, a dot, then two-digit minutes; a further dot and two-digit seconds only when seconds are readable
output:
4.19.45
